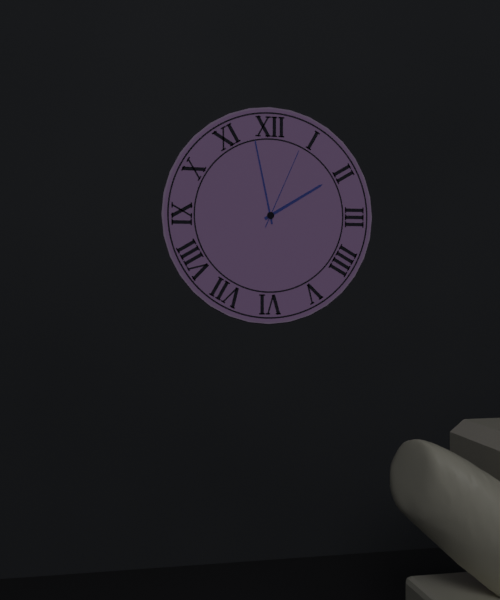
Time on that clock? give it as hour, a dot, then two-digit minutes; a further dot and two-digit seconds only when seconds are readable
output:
1.58.04
